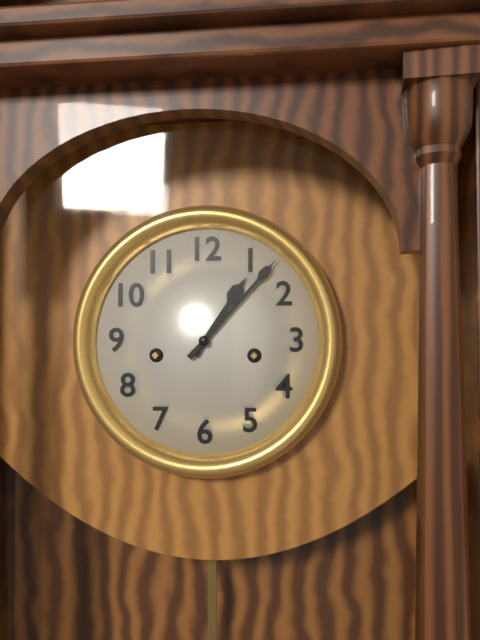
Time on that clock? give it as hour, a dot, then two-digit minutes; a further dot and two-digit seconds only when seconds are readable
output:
1.07
